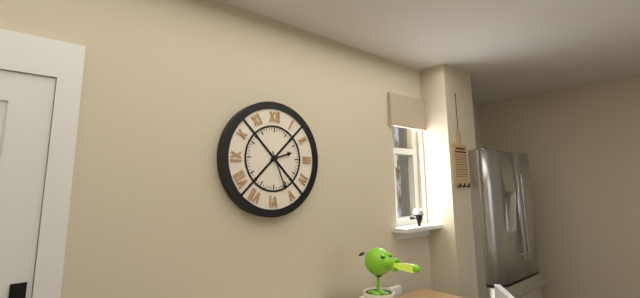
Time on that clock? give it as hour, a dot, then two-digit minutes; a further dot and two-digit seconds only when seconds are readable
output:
2.26
